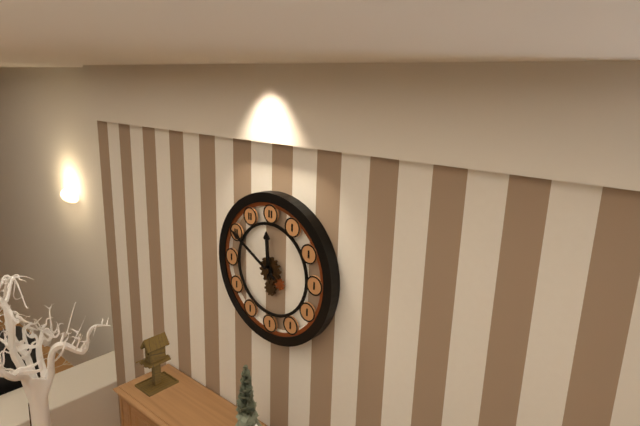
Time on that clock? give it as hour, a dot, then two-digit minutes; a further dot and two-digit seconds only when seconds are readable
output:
11.50
